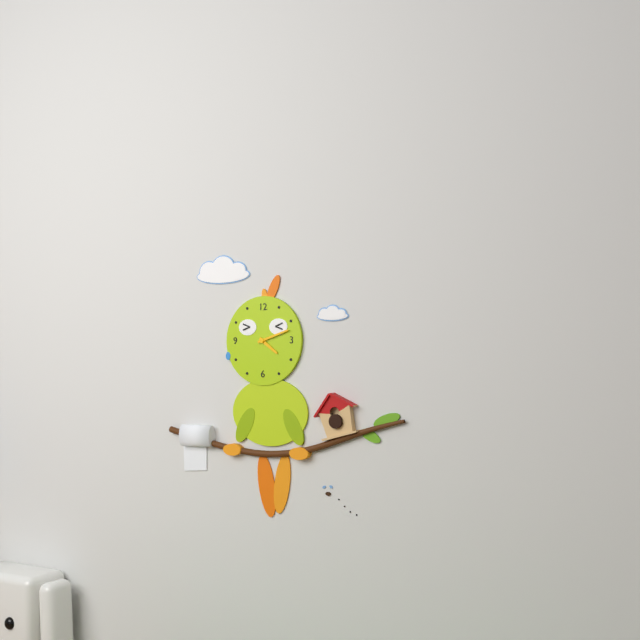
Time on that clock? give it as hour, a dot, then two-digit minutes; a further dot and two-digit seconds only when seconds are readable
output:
4.12
